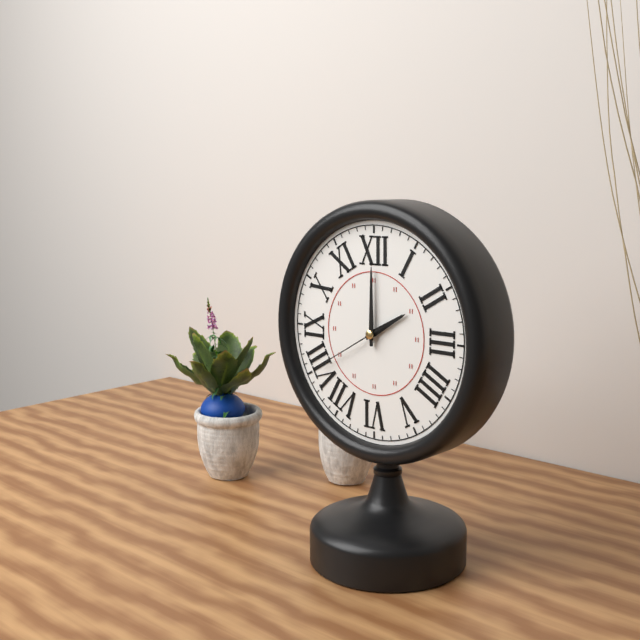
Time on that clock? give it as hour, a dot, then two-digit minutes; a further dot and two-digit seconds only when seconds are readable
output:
2.00.40
